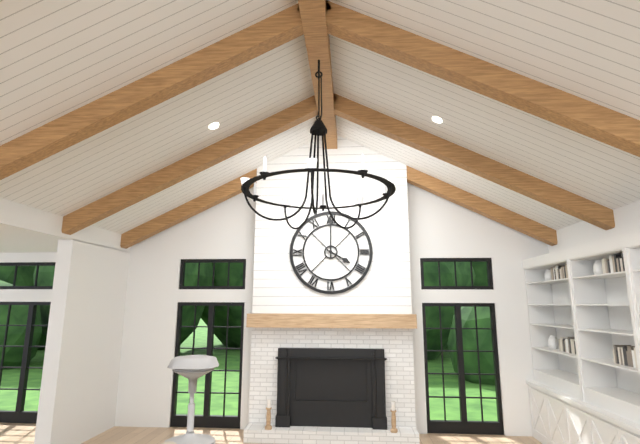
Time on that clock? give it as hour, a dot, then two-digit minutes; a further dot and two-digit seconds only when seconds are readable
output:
4.00
